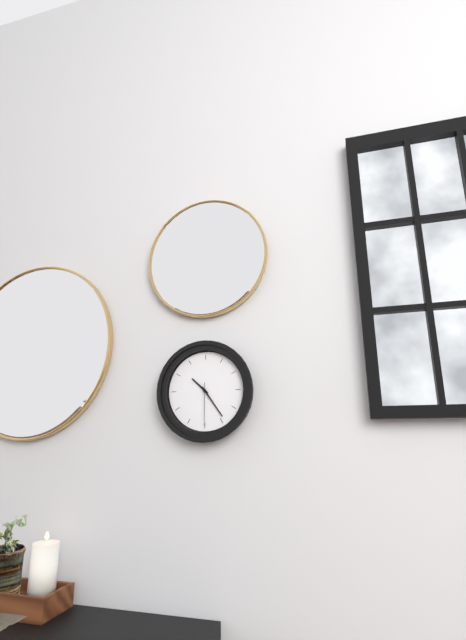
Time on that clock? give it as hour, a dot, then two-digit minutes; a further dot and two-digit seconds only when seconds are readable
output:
10.24
